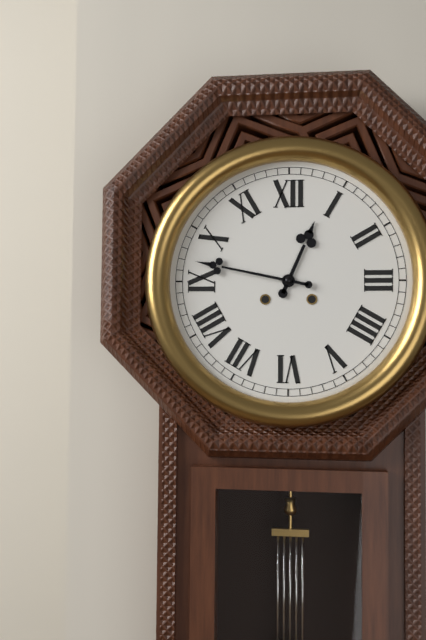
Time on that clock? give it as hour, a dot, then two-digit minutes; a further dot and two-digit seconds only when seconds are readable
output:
12.47
